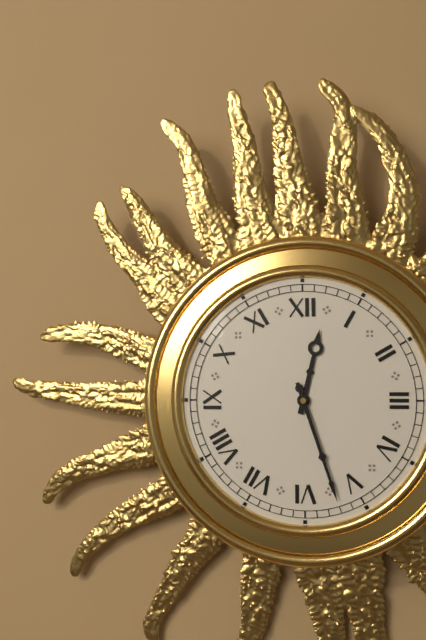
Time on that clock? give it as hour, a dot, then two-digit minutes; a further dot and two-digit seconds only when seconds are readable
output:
12.27
